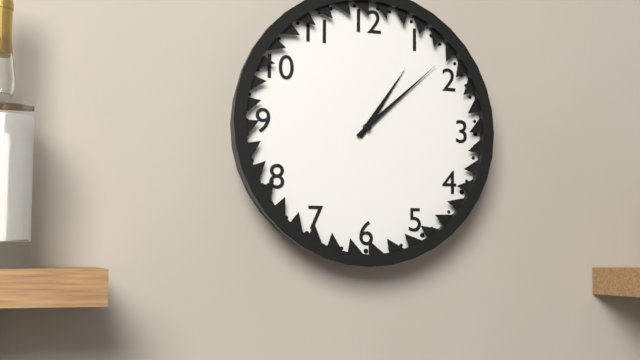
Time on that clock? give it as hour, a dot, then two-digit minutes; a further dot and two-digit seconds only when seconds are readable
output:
1.08
